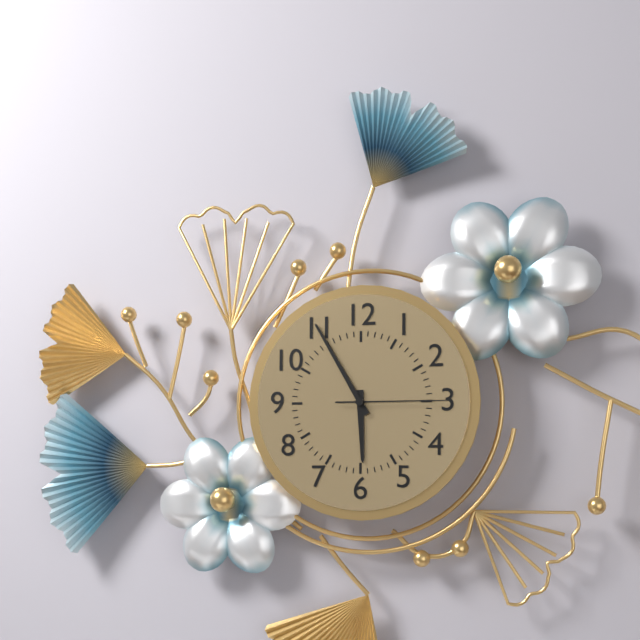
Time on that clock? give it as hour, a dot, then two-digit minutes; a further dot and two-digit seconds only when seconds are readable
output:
5.55.15
